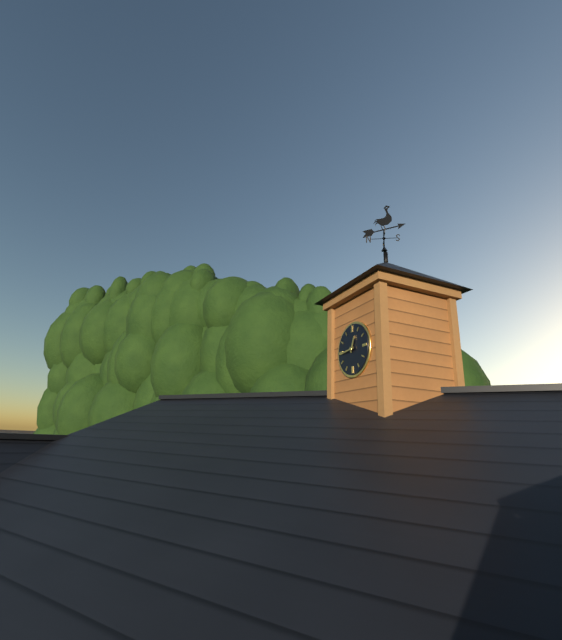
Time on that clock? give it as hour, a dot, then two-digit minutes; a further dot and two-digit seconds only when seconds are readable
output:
12.44
